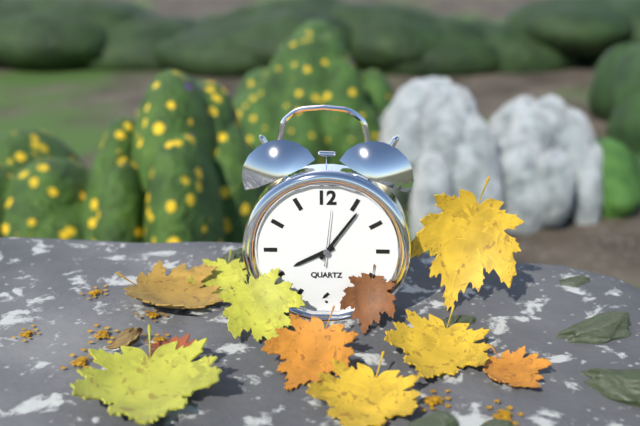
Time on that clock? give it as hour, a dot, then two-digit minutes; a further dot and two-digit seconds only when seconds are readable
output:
8.06.01
